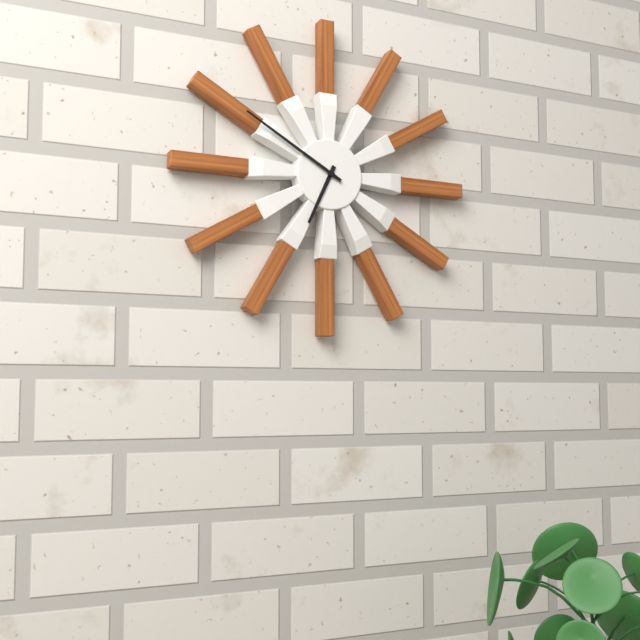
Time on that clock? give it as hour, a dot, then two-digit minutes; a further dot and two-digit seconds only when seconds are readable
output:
6.50
